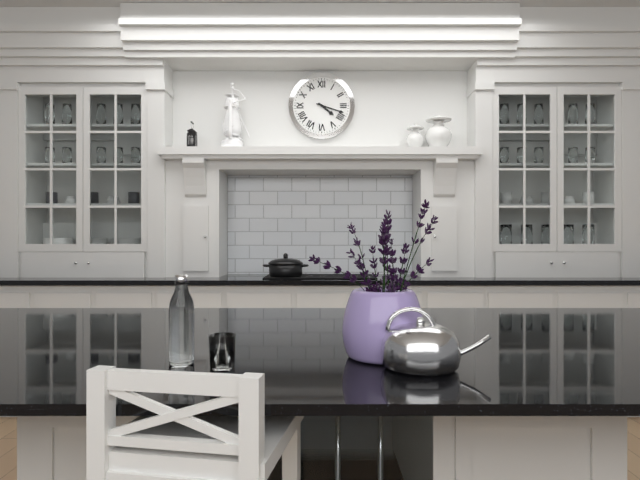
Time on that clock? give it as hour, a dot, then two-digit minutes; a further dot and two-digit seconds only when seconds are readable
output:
4.18
